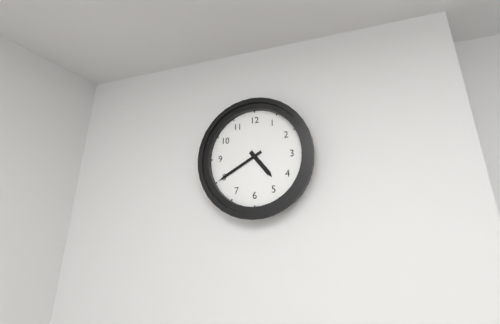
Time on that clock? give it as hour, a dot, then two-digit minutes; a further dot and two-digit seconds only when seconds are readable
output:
4.40
